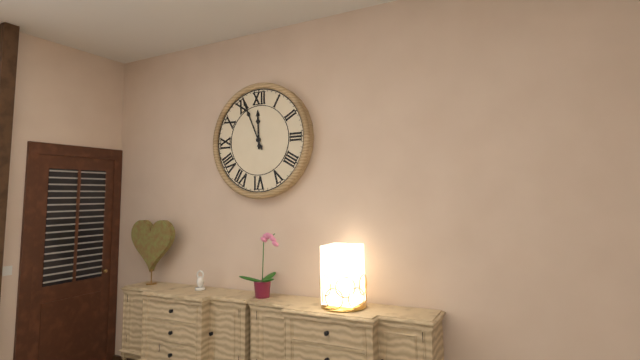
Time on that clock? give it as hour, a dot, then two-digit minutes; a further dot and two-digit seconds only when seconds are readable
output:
11.56
